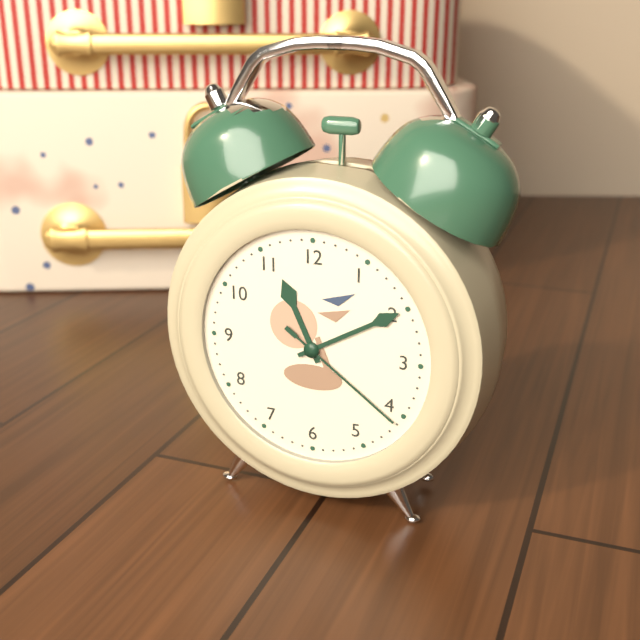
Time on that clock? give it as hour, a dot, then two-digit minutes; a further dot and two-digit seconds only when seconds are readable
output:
11.10.21
